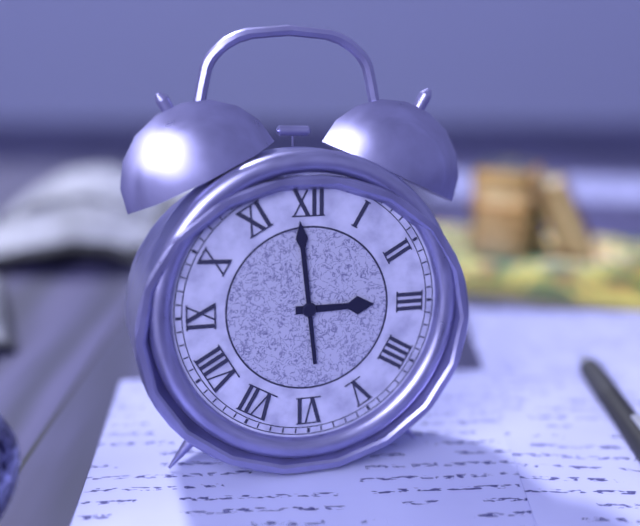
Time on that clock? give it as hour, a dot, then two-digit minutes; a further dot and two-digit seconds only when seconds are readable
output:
2.59
